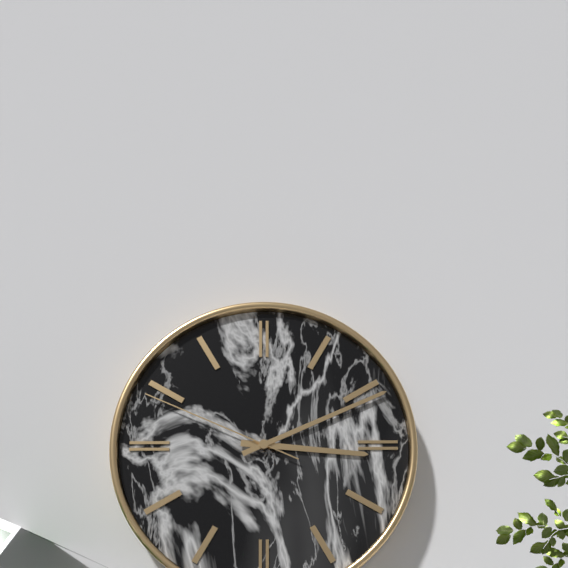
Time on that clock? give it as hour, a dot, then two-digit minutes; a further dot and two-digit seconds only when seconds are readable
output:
3.11.49
